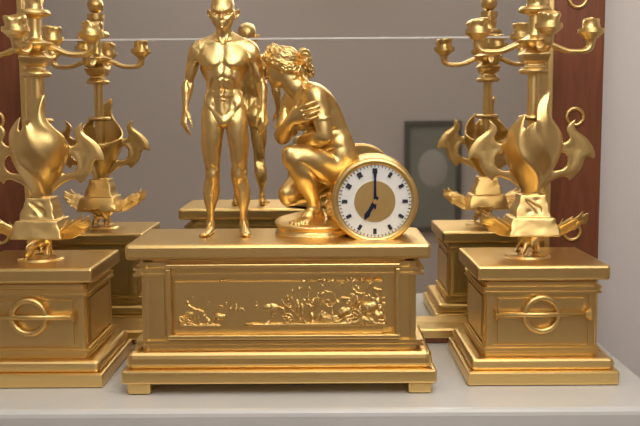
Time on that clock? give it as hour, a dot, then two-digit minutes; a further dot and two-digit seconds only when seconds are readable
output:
7.00
